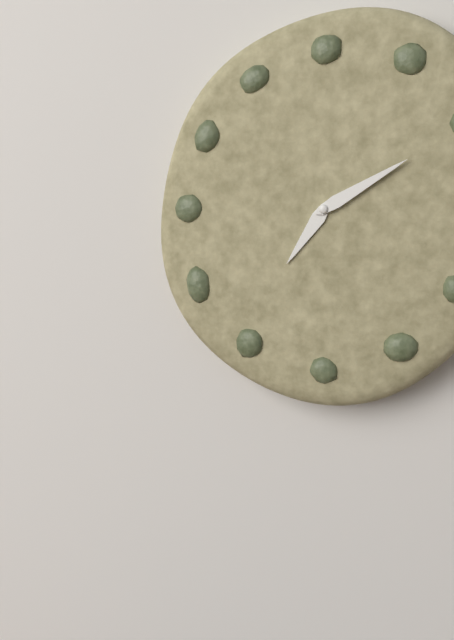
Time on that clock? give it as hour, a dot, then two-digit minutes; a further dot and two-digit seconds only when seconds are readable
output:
7.10
